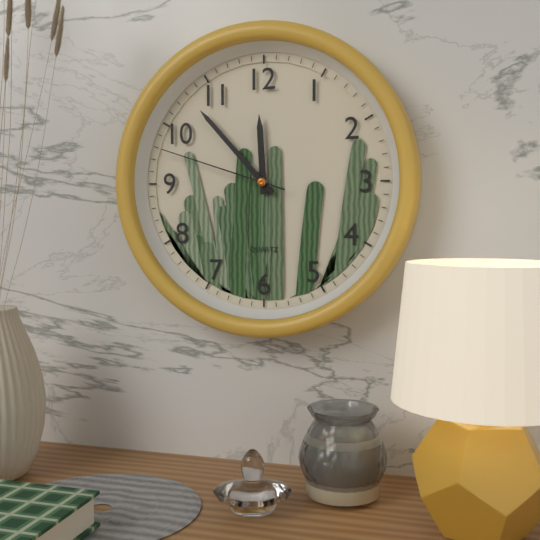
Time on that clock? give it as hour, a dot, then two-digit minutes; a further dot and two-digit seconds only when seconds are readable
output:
11.53.48
